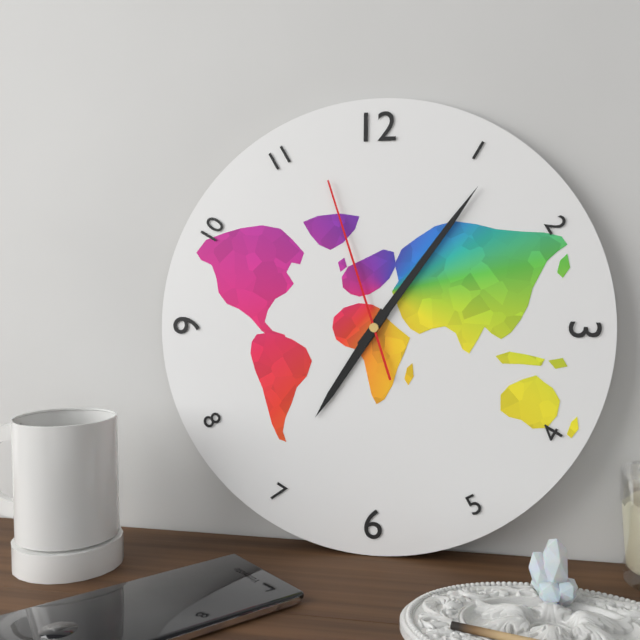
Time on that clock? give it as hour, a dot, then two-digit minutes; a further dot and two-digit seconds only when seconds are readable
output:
7.06.57
